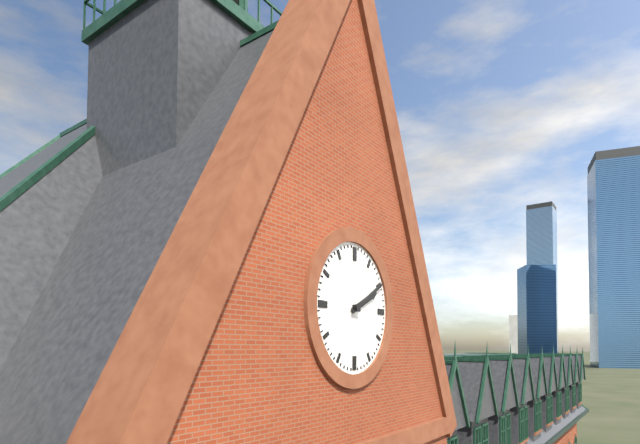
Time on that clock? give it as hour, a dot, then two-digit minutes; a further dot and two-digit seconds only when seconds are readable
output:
2.10
